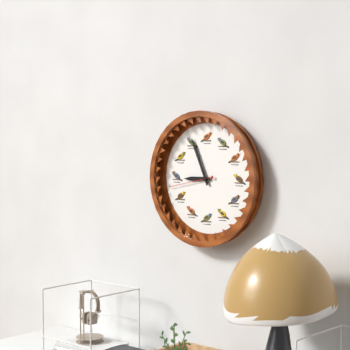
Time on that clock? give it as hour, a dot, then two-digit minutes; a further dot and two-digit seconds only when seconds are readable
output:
8.56
